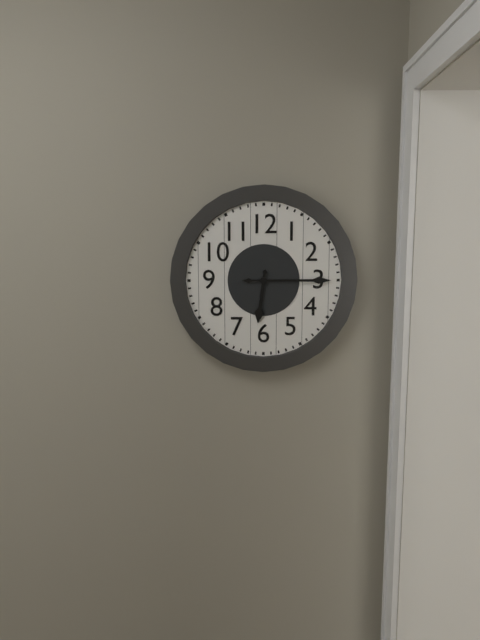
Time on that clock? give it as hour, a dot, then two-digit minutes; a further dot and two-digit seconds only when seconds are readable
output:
6.15
